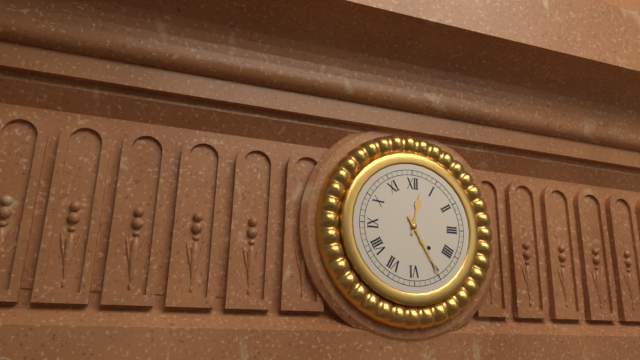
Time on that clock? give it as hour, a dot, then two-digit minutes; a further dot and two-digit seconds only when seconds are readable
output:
12.25
